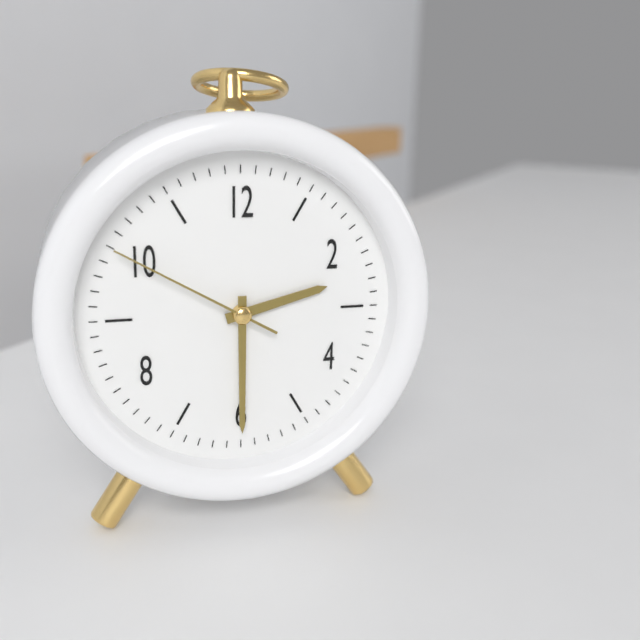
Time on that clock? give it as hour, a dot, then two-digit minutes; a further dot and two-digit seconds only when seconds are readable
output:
2.30.50
